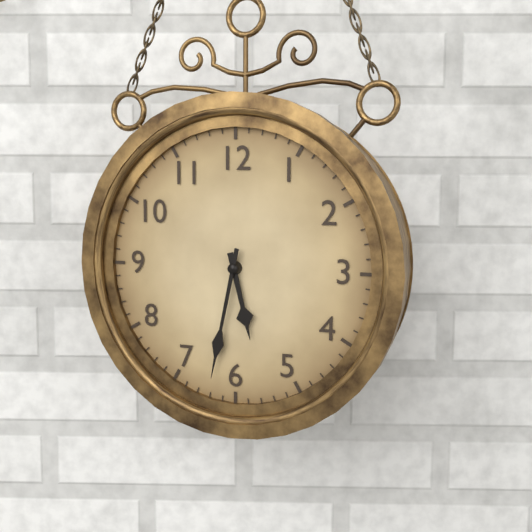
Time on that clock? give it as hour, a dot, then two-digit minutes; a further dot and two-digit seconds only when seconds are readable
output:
5.32
